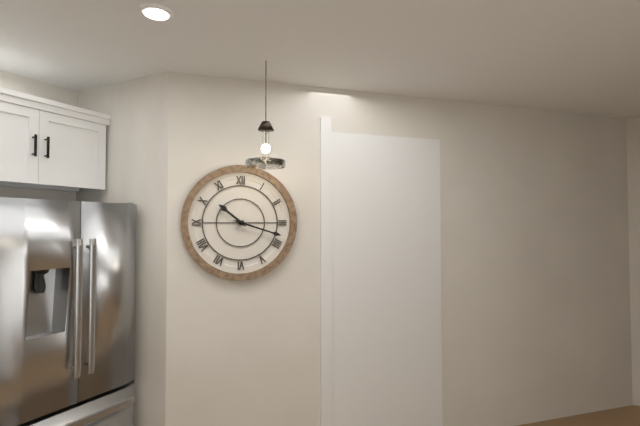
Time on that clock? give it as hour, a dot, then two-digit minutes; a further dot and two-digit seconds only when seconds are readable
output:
10.18
